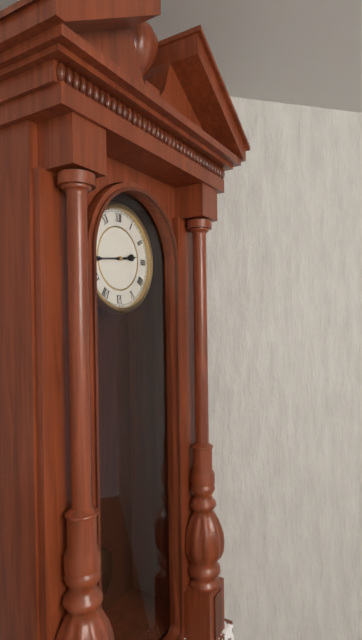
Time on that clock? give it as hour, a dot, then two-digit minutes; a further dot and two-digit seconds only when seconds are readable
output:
2.44
